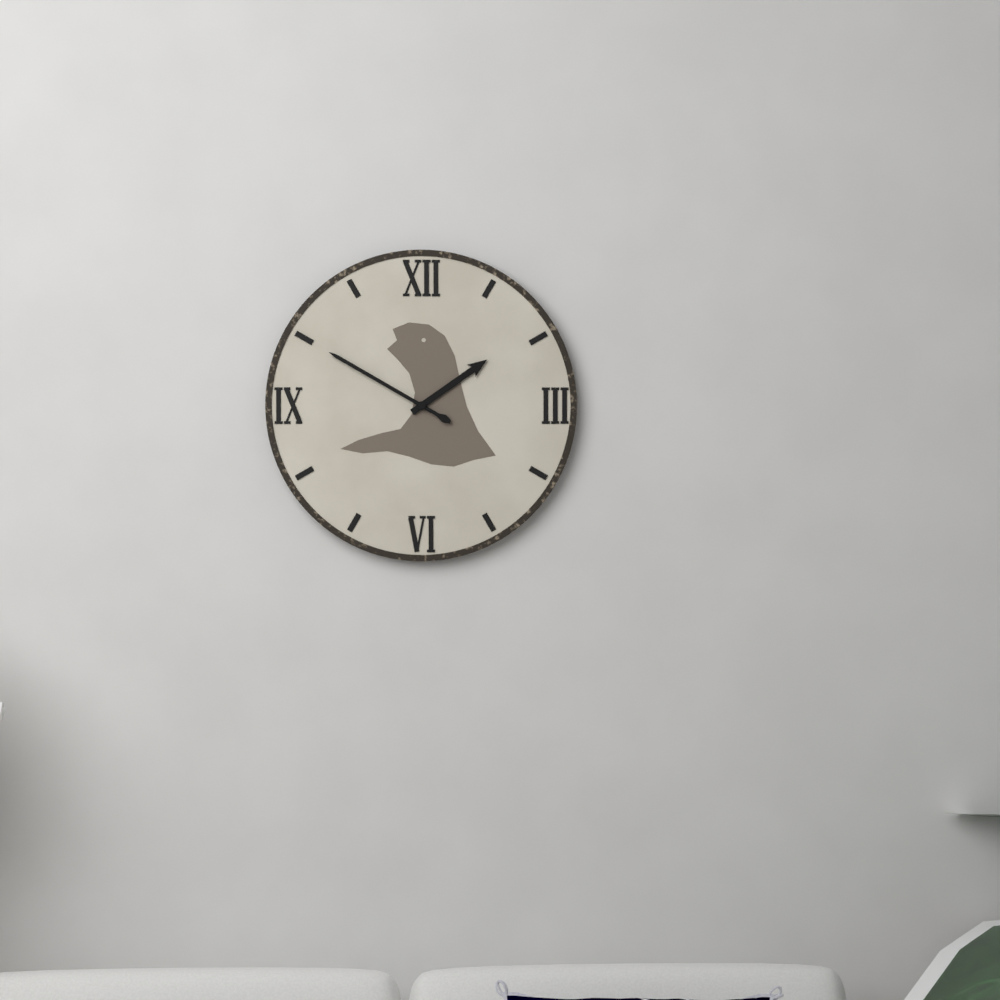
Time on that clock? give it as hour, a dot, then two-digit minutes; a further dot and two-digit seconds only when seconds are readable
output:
1.50
